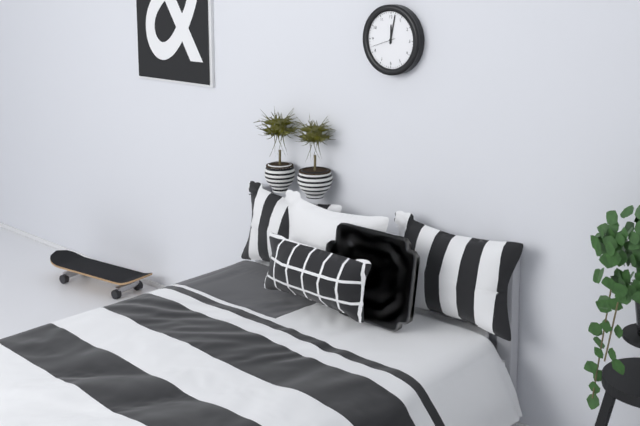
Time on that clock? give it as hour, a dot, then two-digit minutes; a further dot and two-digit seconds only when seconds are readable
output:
12.02
